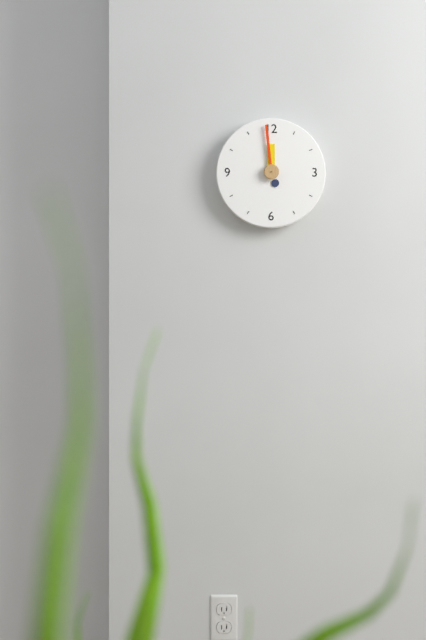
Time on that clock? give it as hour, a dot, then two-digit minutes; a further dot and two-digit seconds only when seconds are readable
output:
11.59
